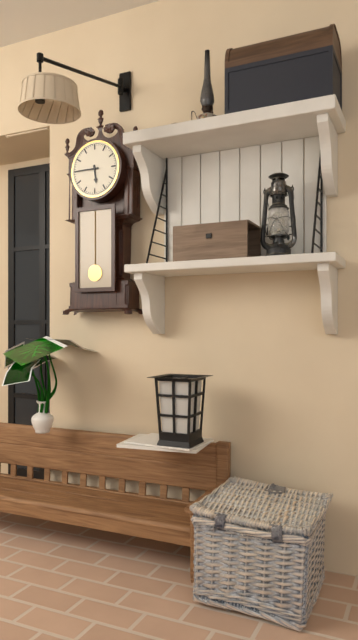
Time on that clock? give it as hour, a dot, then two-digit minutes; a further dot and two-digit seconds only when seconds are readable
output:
5.45
